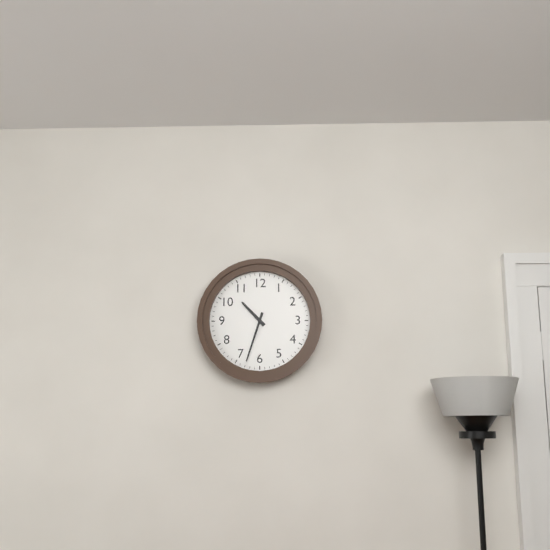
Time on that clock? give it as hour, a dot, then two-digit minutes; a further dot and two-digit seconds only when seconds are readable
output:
10.33
